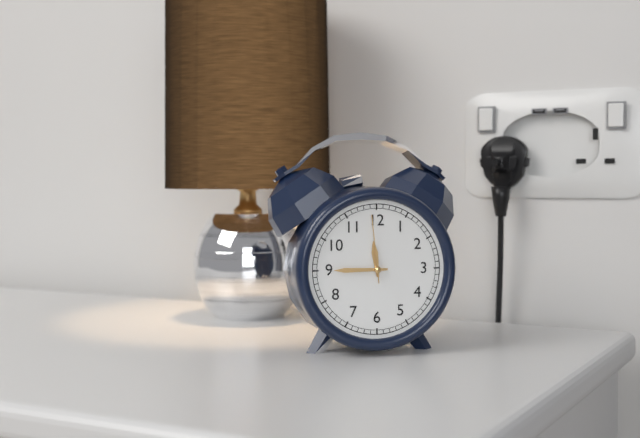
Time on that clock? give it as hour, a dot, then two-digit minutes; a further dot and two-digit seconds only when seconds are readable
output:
11.45.59
